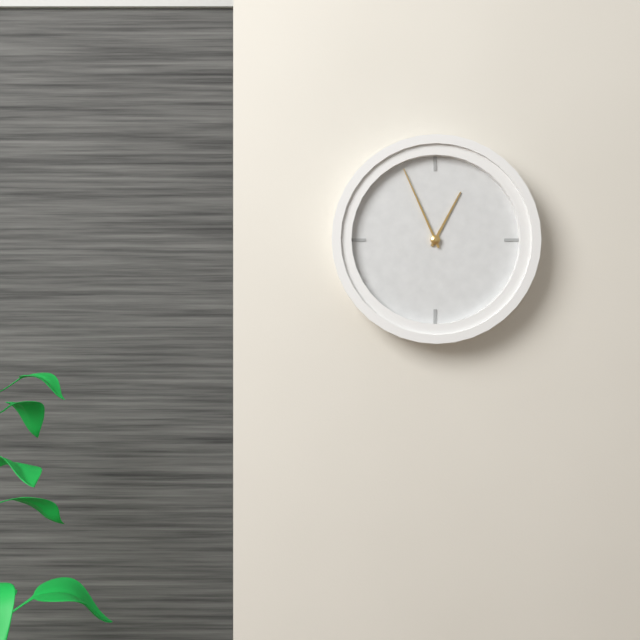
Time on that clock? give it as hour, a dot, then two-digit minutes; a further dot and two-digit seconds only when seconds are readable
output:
12.56
